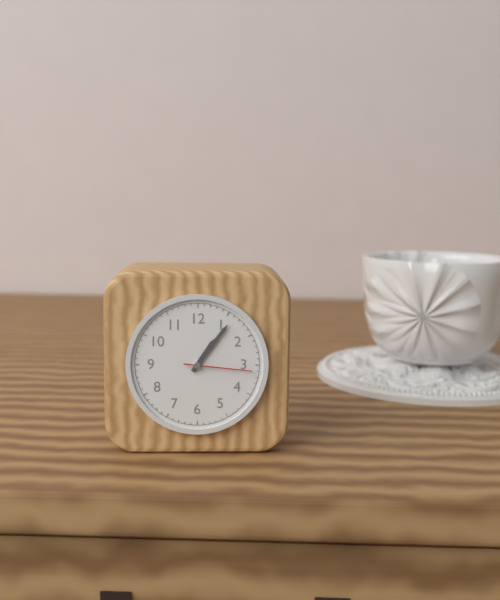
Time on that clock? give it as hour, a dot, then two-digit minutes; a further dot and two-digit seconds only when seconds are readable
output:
1.06.16
